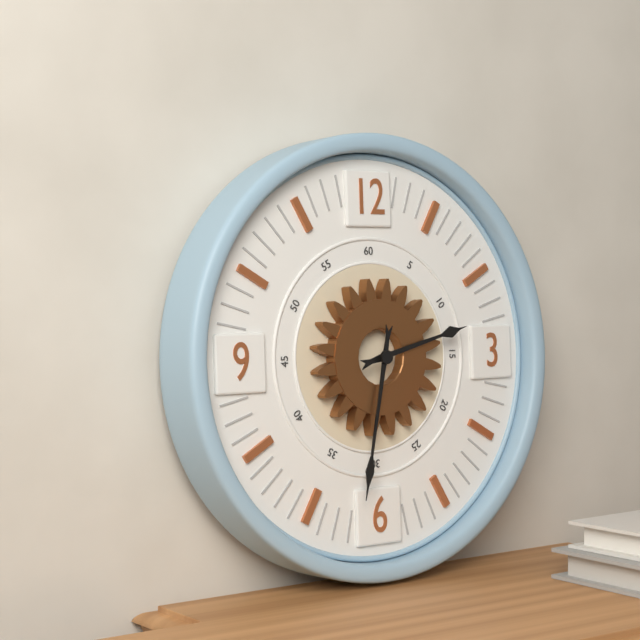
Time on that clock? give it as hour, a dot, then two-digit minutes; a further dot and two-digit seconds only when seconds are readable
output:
2.32
